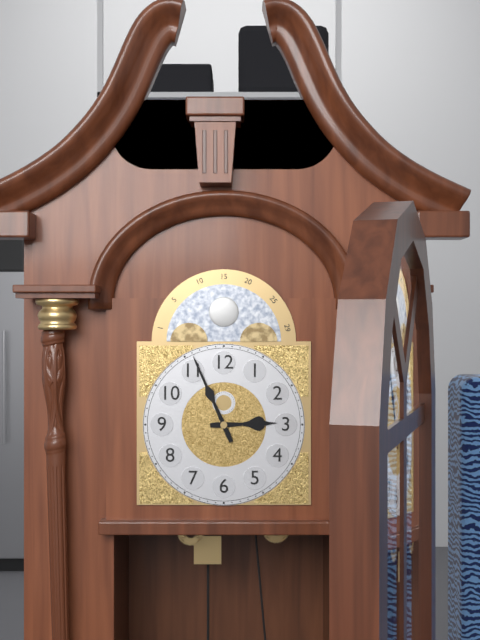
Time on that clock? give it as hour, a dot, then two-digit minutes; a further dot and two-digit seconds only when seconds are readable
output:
2.56
